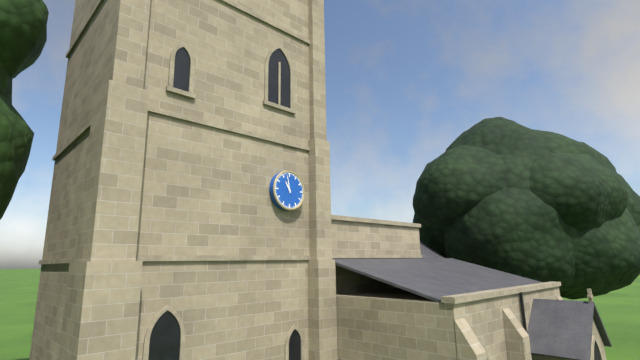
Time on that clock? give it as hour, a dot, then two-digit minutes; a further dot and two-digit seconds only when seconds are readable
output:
10.58
